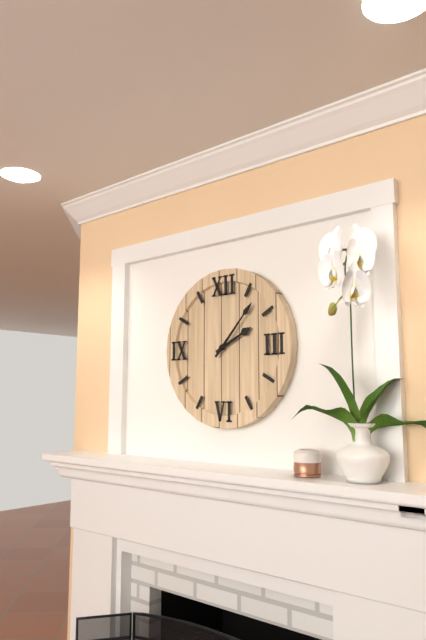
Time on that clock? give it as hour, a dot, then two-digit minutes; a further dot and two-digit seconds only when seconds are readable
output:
2.07
